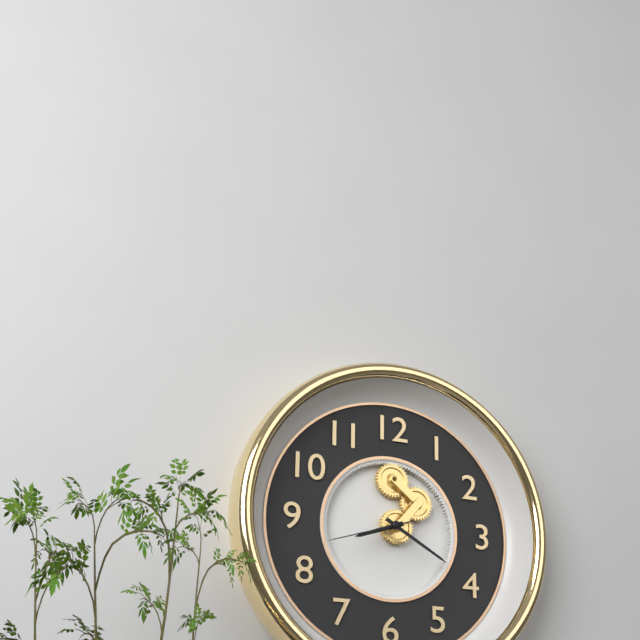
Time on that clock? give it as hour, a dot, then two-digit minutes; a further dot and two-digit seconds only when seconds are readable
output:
8.20.42
